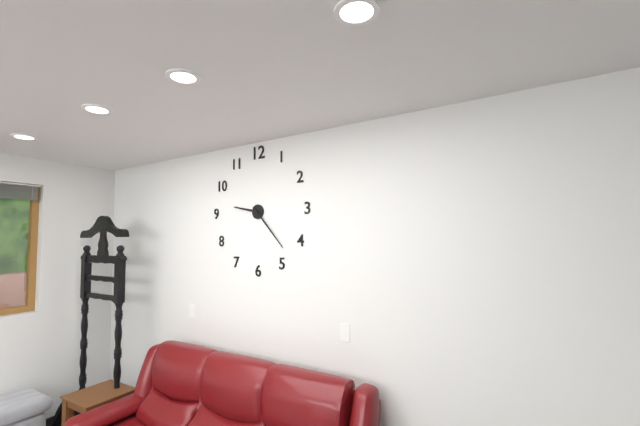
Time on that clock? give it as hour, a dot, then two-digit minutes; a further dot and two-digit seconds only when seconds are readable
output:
9.23
